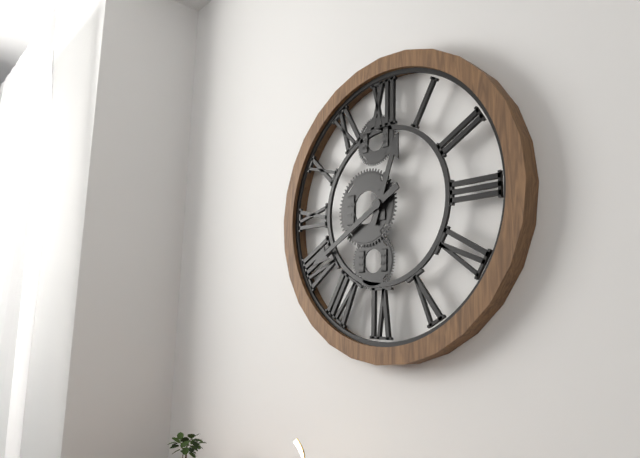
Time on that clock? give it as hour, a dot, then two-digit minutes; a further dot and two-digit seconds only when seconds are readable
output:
12.40
